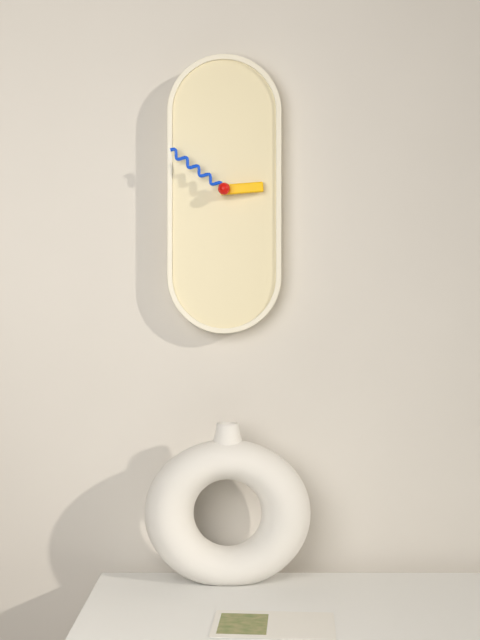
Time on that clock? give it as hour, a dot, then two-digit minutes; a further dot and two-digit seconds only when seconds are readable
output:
2.51
